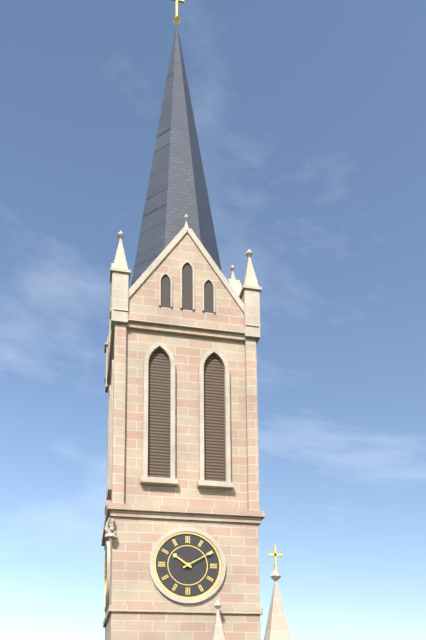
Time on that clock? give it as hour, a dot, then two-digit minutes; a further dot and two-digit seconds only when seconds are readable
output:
10.10
